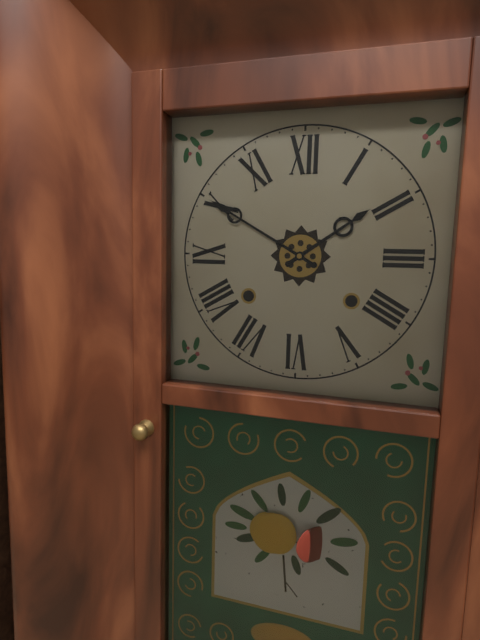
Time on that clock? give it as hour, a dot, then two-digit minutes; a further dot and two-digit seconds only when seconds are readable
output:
1.50
